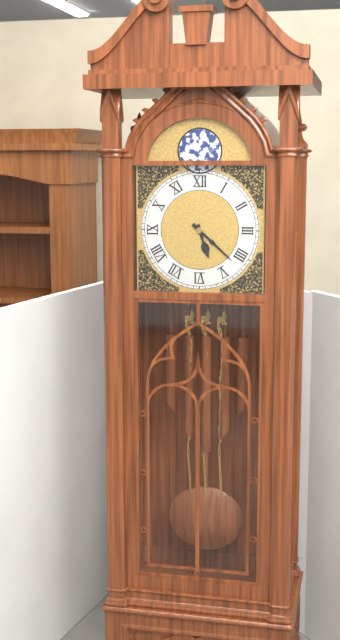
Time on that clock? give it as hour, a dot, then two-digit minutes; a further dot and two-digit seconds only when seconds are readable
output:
5.22
